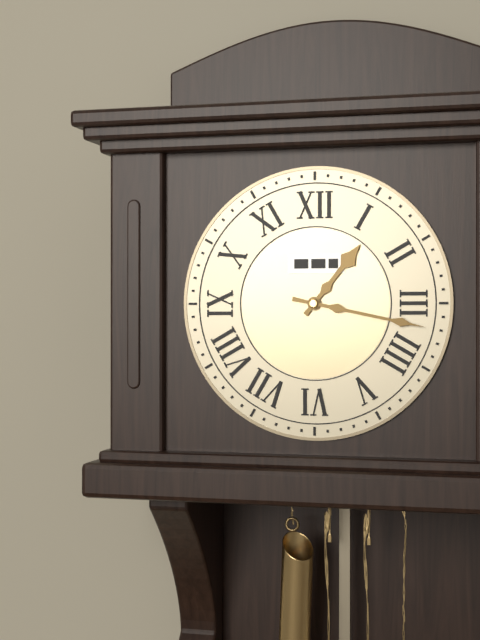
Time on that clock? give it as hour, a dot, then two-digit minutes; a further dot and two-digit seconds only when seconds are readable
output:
1.17
